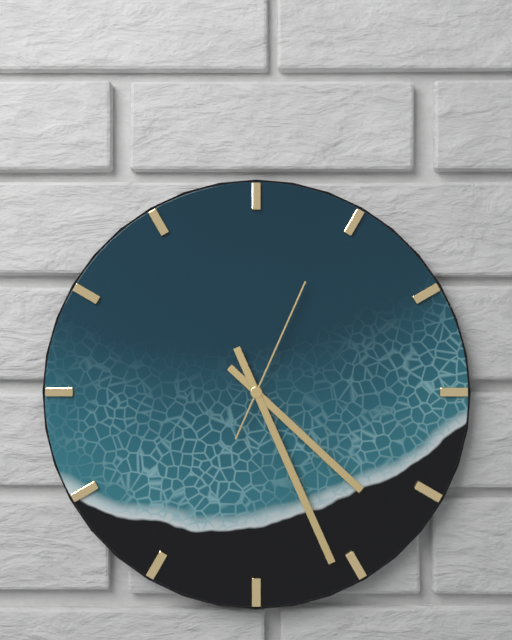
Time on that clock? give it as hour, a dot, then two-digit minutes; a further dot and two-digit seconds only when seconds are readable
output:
4.26.04
